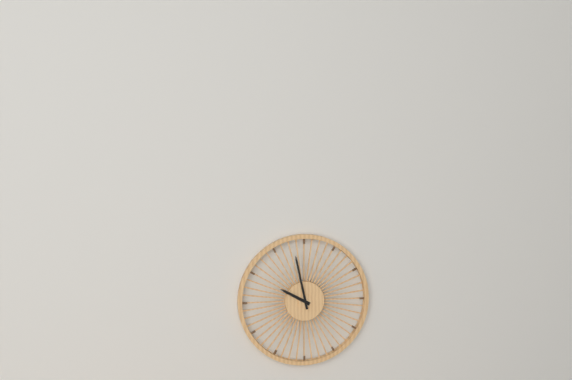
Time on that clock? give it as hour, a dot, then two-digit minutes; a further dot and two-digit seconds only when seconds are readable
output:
9.58
